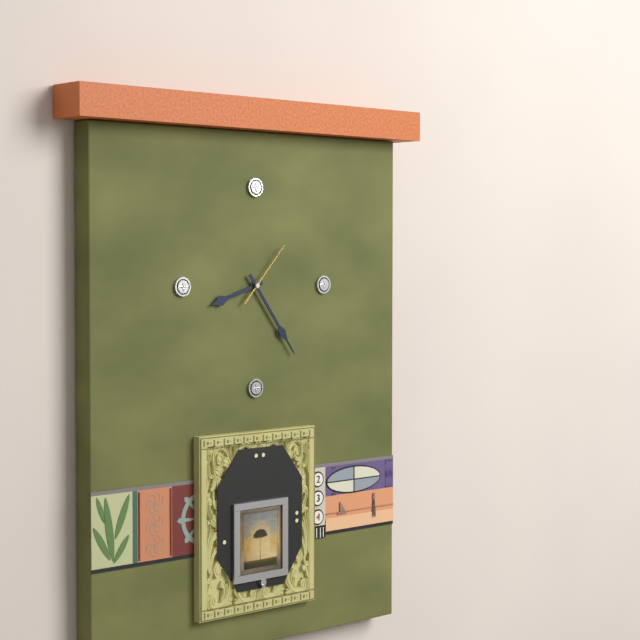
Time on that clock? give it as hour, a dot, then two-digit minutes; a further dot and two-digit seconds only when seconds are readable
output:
8.24.07
